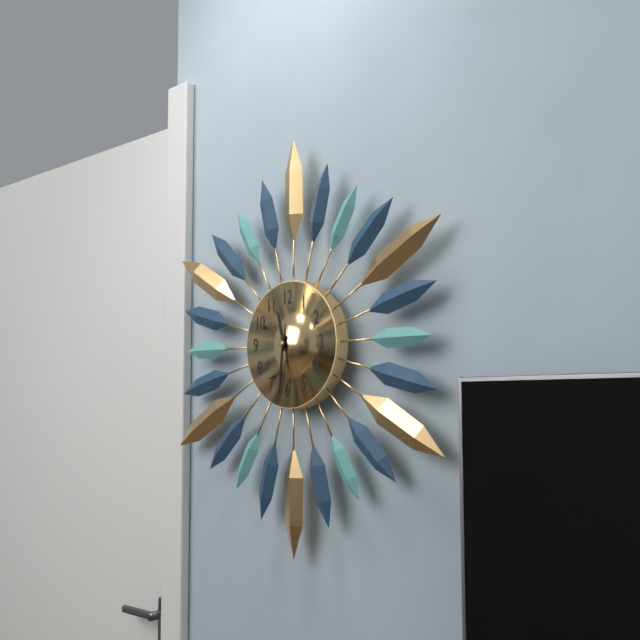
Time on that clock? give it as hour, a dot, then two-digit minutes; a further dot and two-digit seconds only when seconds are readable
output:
11.31
